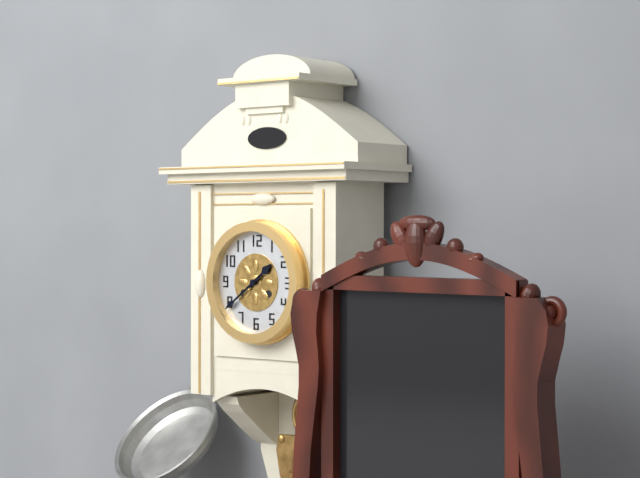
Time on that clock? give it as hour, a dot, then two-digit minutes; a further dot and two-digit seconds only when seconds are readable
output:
1.39
